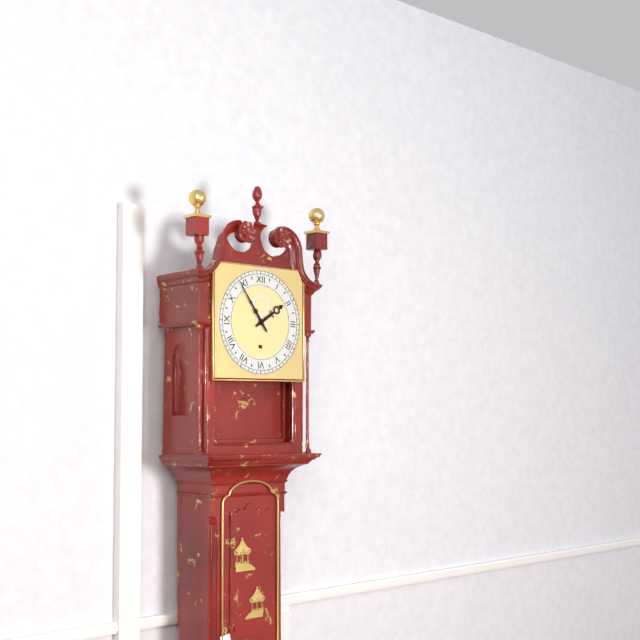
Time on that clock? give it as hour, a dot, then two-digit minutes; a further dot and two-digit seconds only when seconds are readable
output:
1.54
